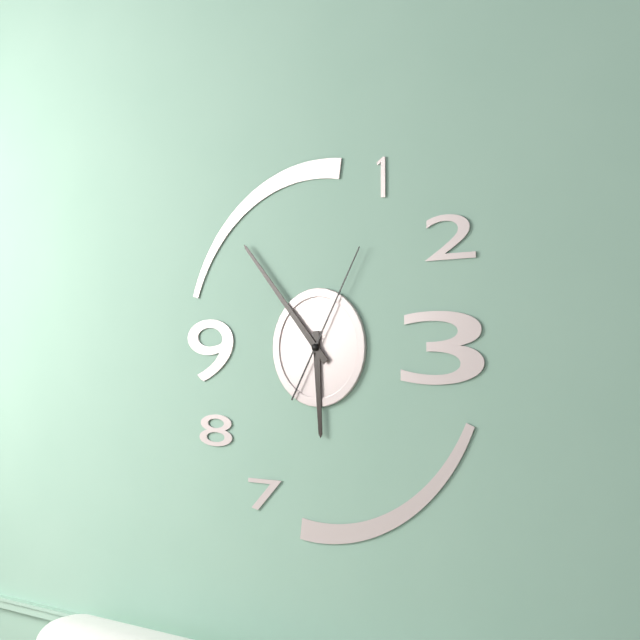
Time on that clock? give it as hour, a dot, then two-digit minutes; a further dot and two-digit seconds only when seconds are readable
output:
5.53.05
